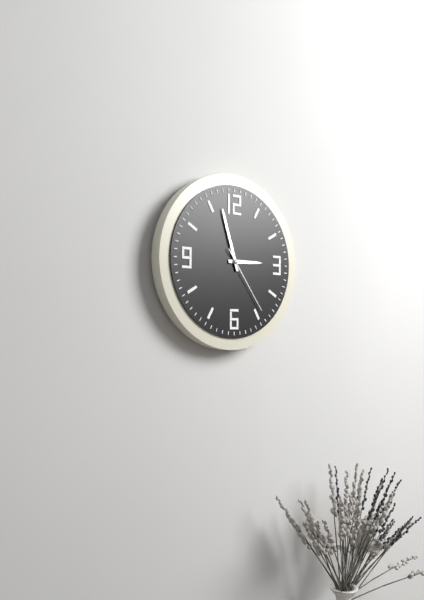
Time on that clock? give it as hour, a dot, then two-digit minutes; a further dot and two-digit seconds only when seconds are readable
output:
2.57.24
